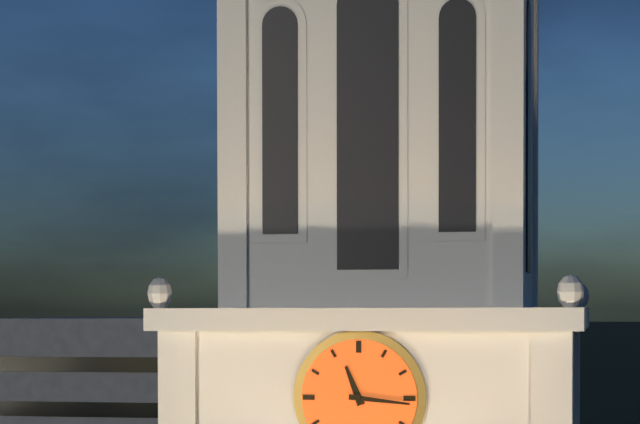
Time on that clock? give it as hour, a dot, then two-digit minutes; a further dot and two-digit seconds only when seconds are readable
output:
11.16
